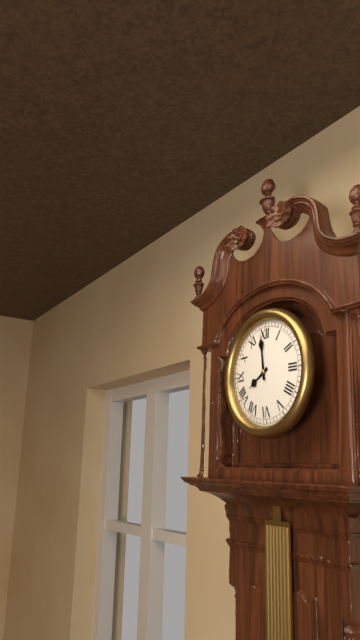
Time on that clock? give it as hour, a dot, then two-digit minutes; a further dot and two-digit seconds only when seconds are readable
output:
7.59
